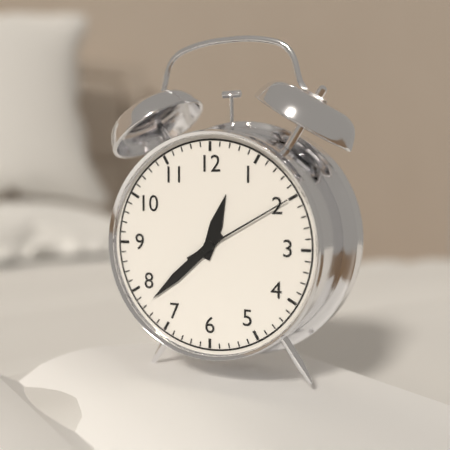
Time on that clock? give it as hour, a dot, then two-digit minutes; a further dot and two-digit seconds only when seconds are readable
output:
12.38.10
